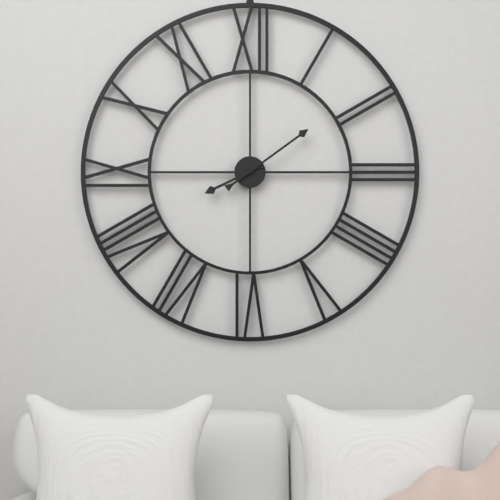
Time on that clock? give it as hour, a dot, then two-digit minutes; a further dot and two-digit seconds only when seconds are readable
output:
8.09
